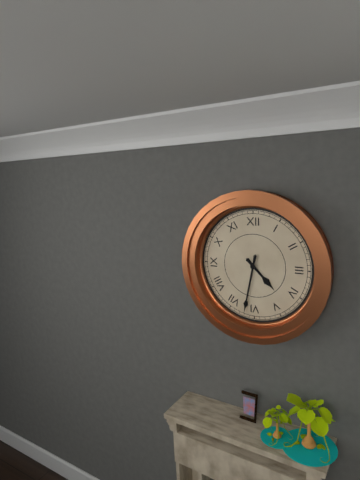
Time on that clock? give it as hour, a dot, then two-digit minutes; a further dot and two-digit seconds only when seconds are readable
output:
4.32
